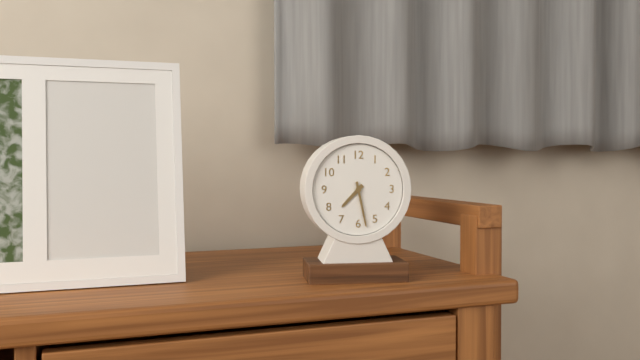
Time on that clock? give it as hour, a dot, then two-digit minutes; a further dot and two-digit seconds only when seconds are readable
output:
7.28
